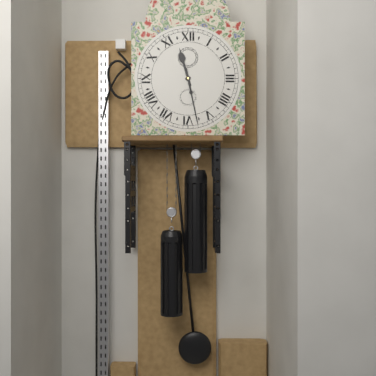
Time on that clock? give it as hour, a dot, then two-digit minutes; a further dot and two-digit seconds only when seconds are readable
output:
11.28
